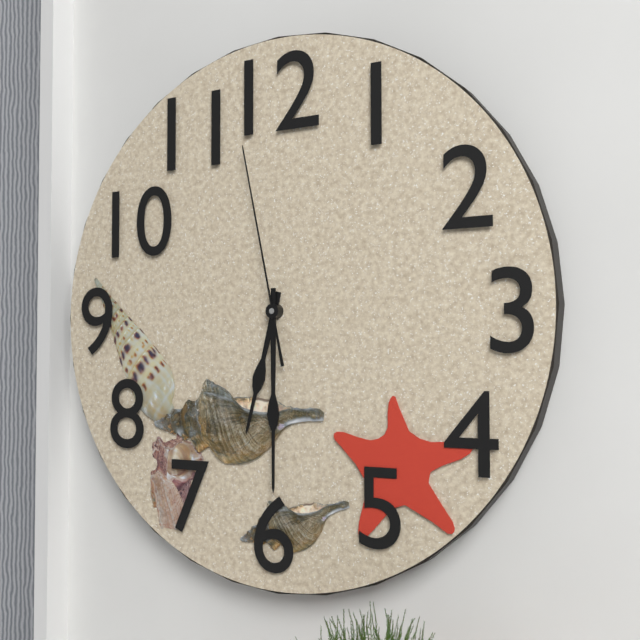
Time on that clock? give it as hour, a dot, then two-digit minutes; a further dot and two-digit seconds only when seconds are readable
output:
6.30.58
